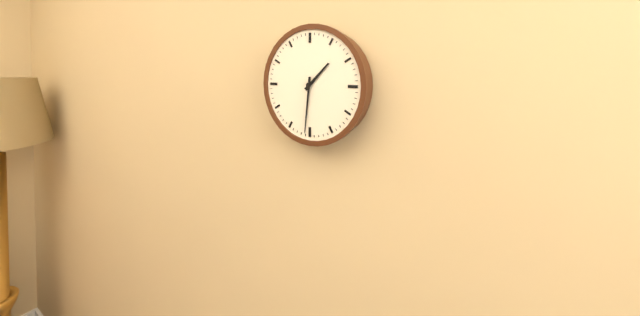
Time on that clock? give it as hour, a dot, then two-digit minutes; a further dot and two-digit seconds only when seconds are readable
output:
1.31
